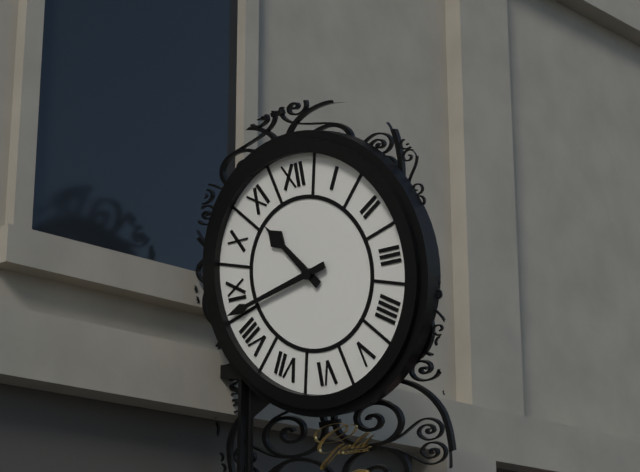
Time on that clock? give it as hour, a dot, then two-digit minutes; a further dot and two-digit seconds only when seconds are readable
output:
10.43
